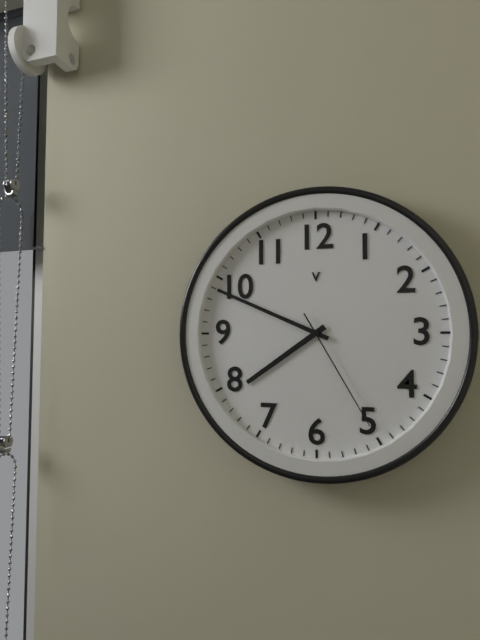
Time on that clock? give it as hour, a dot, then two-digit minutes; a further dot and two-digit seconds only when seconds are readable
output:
7.49.25
